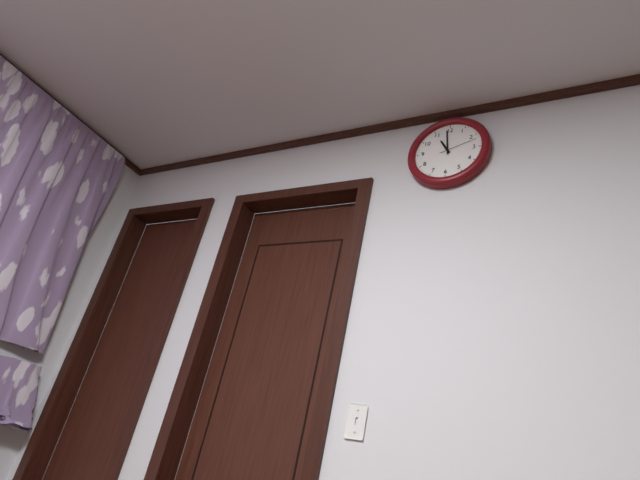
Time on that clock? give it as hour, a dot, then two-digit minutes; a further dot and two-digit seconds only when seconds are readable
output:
10.59
